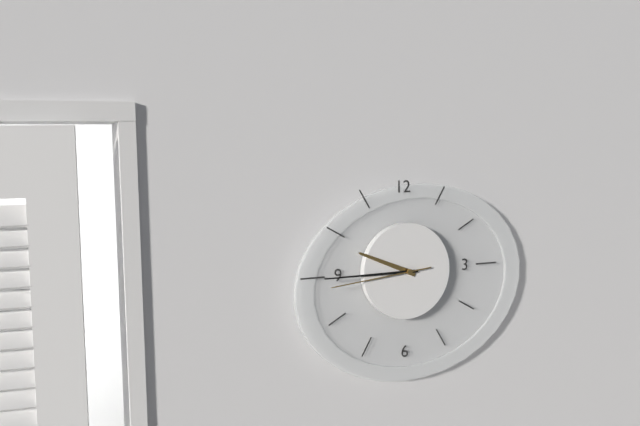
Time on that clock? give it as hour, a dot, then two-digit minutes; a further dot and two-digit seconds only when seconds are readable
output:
9.45.44
